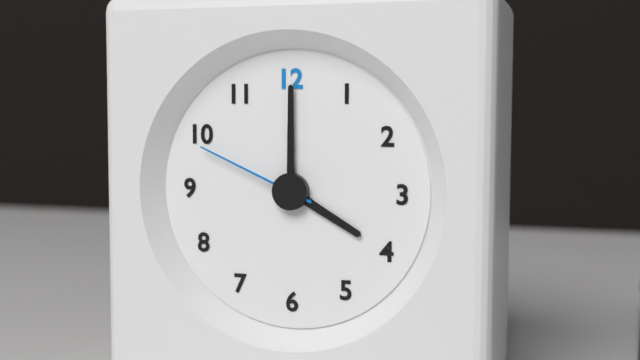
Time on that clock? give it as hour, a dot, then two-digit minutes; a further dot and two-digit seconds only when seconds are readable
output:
4.00.49
